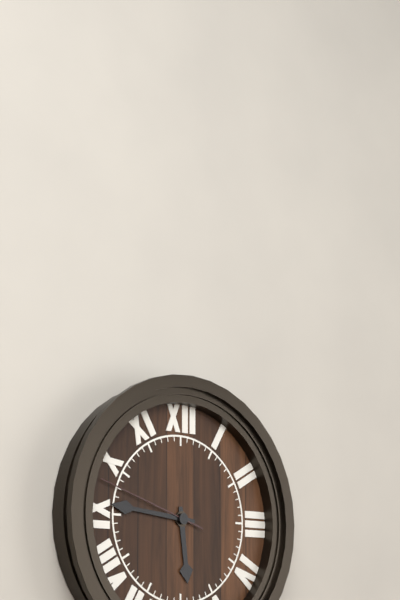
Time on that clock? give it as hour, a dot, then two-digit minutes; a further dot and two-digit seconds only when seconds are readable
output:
5.46.48
